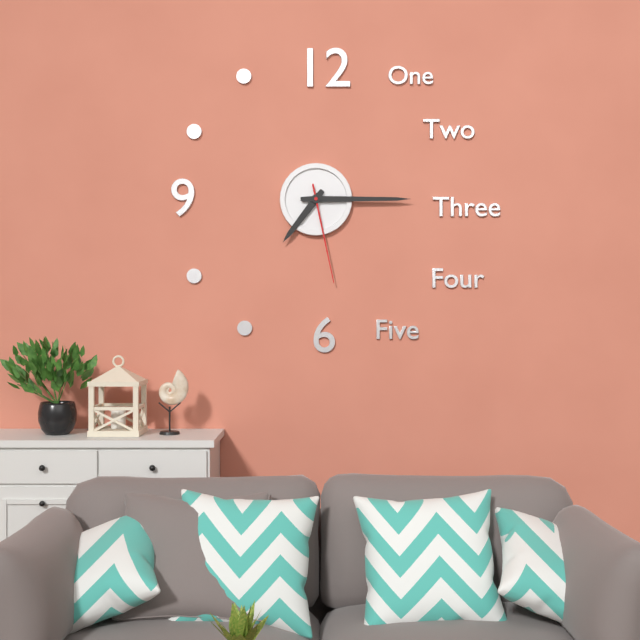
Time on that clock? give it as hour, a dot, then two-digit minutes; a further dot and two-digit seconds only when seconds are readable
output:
7.15.28
